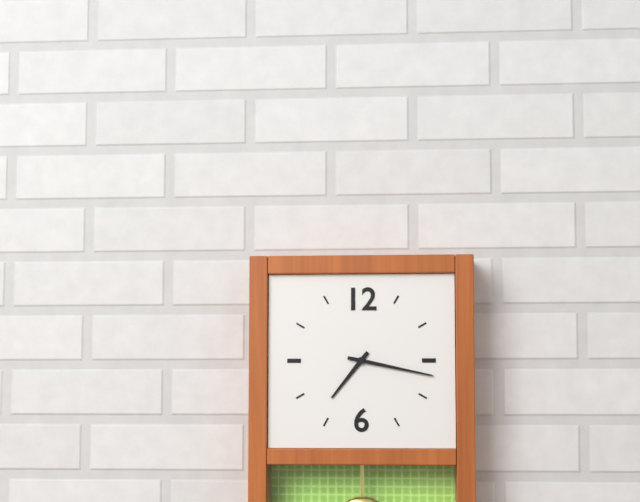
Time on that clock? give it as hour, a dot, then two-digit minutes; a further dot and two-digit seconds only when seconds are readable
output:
7.17
